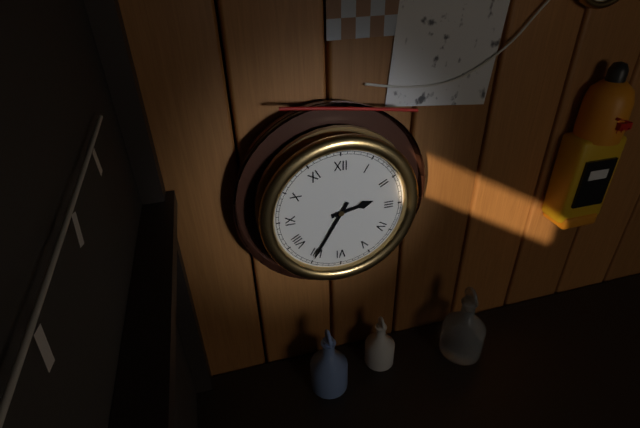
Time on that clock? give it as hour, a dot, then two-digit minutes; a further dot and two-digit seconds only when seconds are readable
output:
2.35
